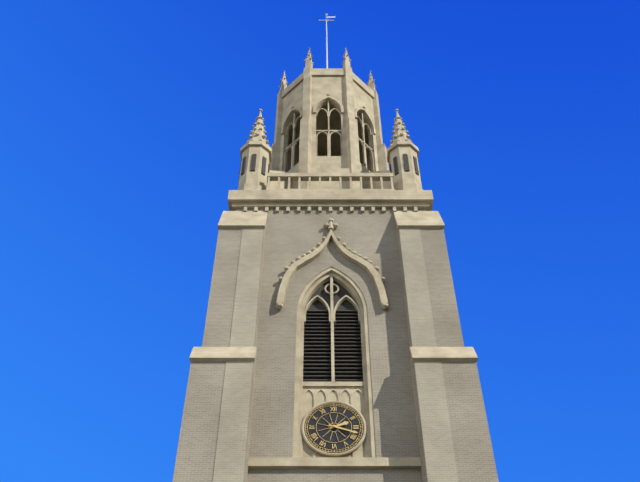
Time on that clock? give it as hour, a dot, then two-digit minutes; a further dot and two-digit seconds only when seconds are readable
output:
2.18
